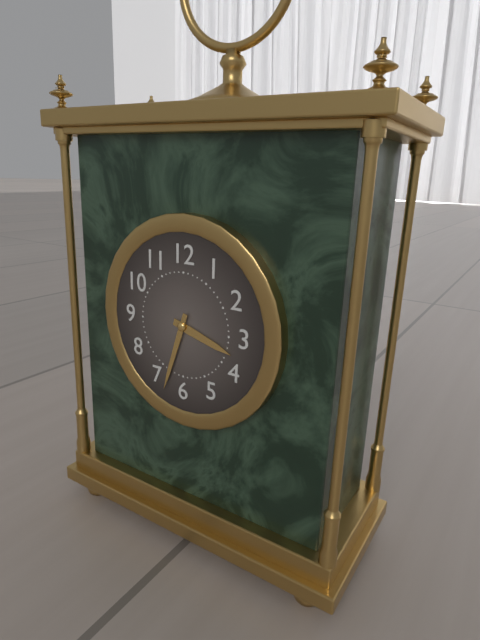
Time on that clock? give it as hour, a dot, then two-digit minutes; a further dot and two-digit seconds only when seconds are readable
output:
3.33
